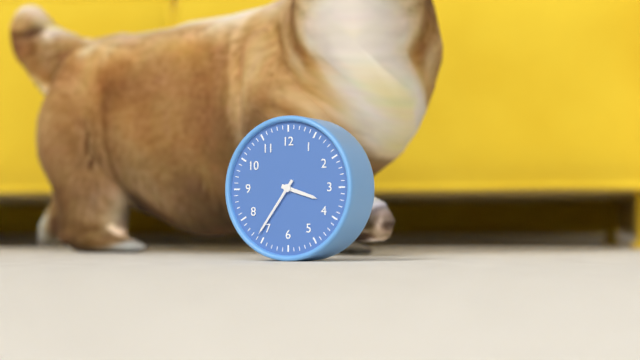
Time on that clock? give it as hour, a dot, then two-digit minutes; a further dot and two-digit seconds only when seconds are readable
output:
3.36
